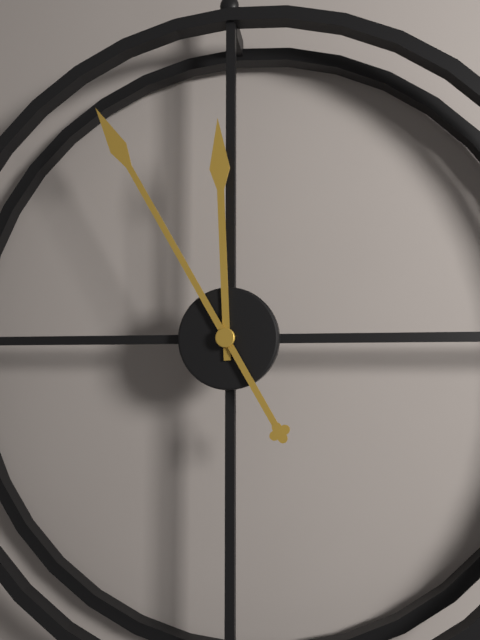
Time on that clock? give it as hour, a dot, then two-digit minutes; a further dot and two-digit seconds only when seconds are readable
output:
11.55
